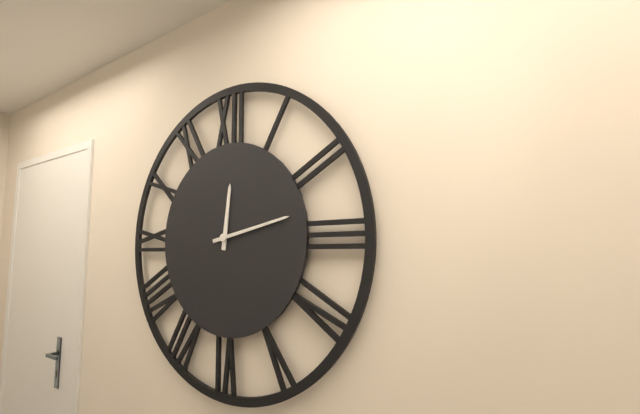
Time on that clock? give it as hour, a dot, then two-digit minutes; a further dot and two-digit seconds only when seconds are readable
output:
12.13
